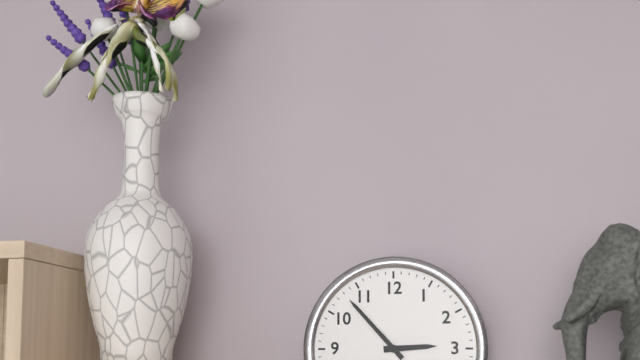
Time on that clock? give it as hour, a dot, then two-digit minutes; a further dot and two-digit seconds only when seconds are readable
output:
2.53
